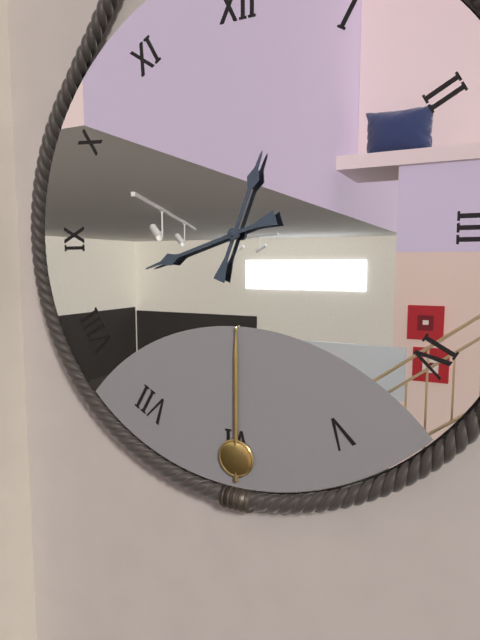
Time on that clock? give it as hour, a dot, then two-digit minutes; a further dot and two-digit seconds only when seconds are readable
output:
12.42
